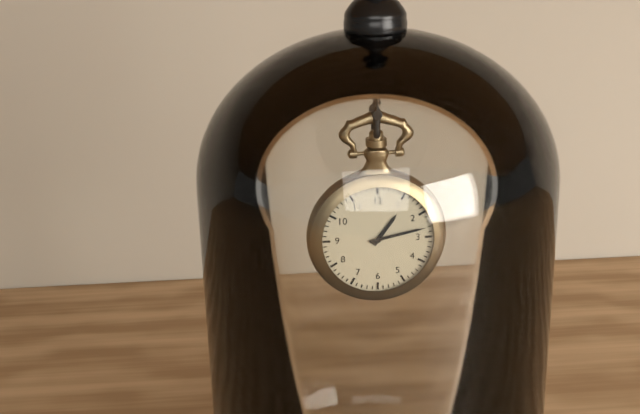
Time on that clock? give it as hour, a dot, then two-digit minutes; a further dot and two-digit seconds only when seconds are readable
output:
1.13
